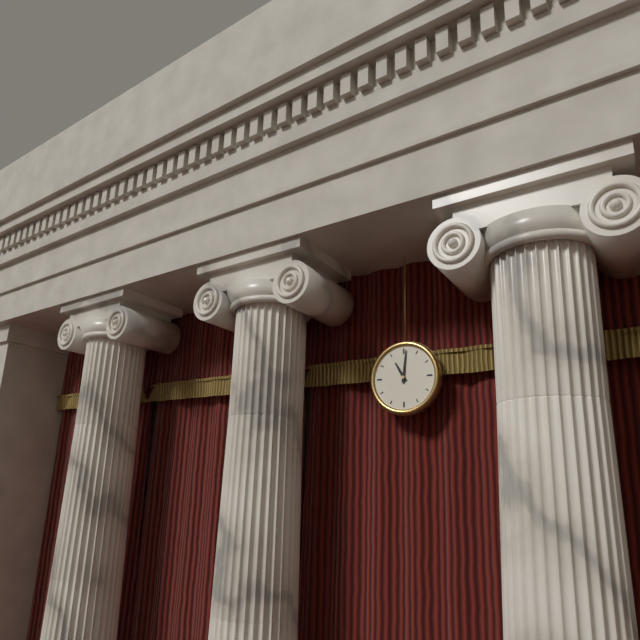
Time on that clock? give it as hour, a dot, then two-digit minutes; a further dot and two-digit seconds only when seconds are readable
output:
11.01
